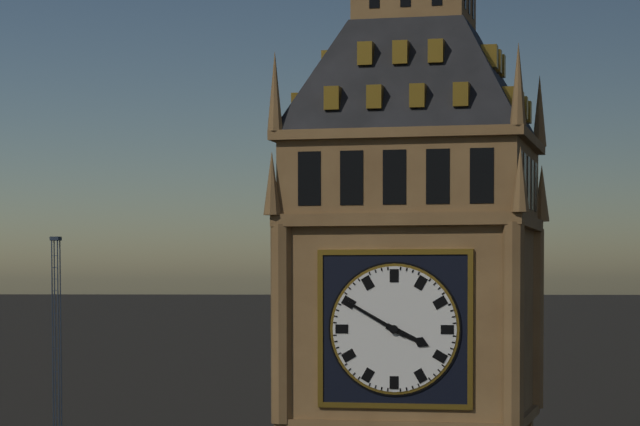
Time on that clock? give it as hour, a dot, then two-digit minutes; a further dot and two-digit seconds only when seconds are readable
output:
3.50
